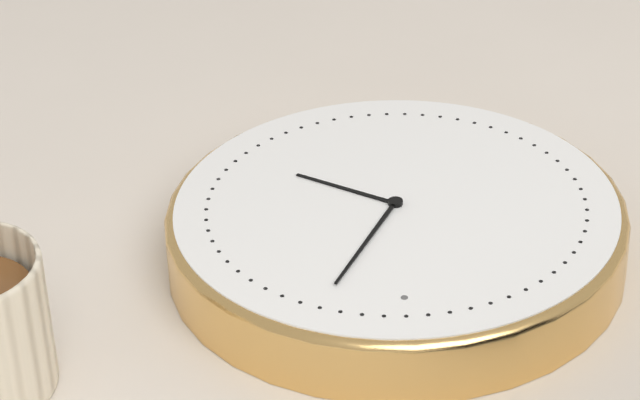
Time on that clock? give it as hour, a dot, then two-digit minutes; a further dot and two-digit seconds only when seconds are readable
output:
4.04
